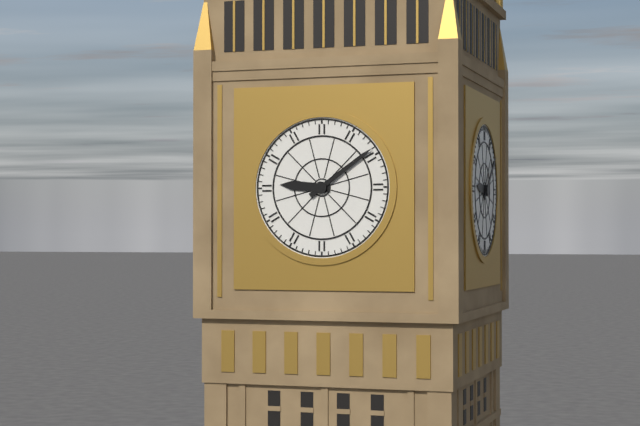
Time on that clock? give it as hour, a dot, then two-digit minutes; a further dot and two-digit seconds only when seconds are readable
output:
9.09
